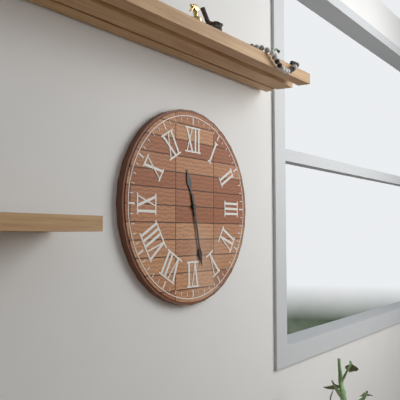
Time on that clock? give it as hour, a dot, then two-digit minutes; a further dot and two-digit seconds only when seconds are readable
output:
11.28
